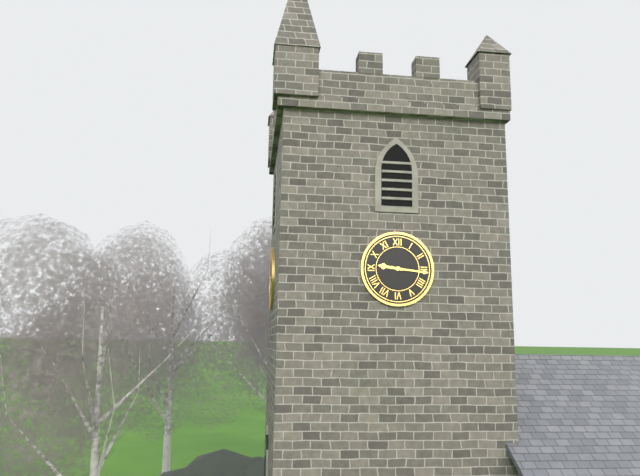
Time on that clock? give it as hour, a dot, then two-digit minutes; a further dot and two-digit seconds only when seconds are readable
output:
9.16
